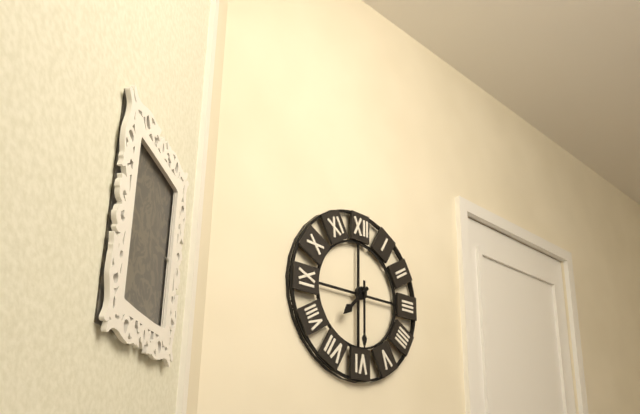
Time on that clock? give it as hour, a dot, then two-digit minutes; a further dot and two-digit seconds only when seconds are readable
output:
7.30
